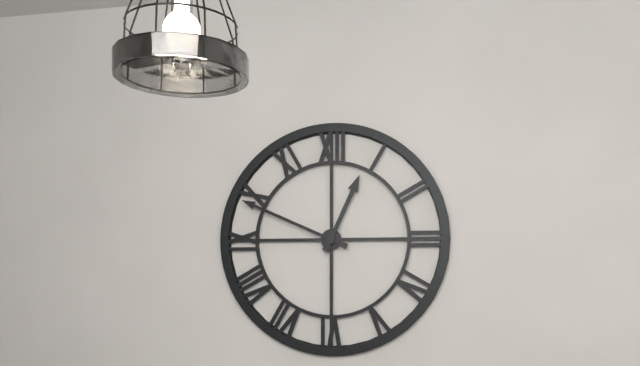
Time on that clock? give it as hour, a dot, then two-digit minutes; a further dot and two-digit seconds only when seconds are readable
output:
12.49
